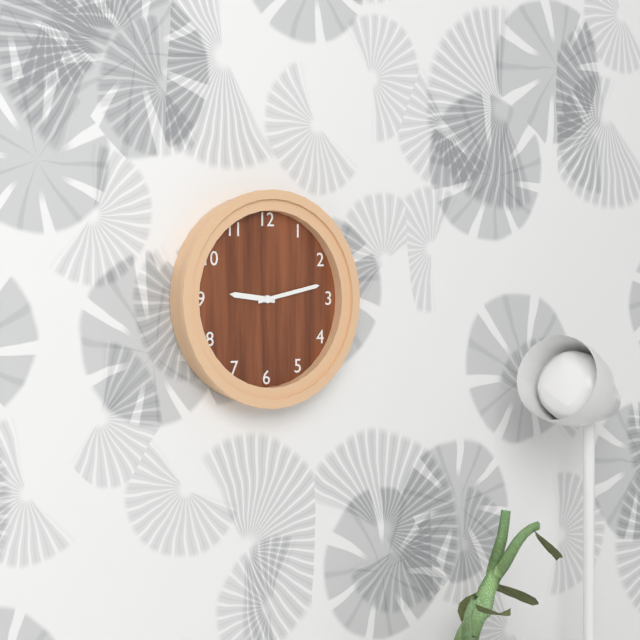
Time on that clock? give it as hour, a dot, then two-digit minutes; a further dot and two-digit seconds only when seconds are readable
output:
9.13
